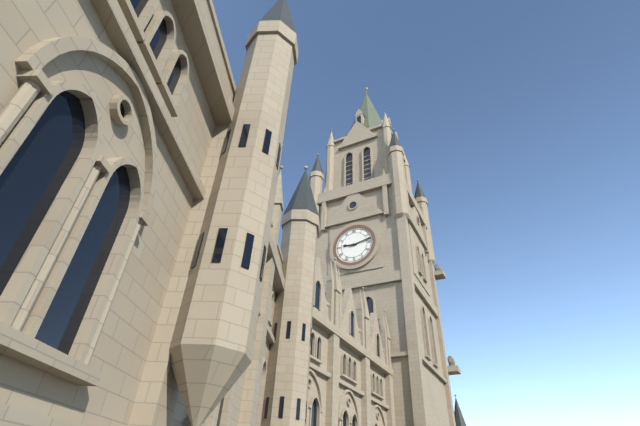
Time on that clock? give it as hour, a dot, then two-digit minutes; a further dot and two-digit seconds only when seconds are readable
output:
9.13
